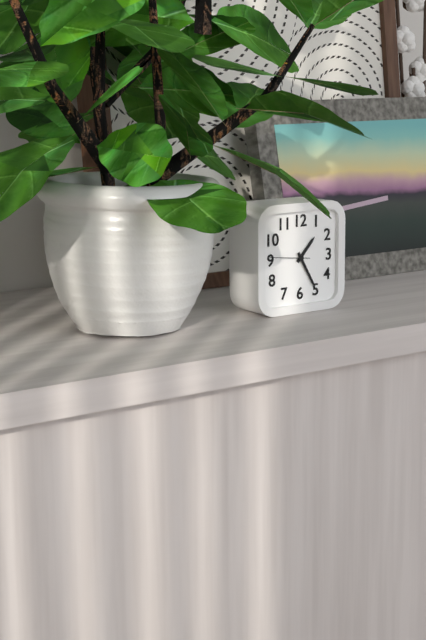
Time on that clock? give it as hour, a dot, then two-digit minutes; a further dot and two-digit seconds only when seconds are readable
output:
1.25
